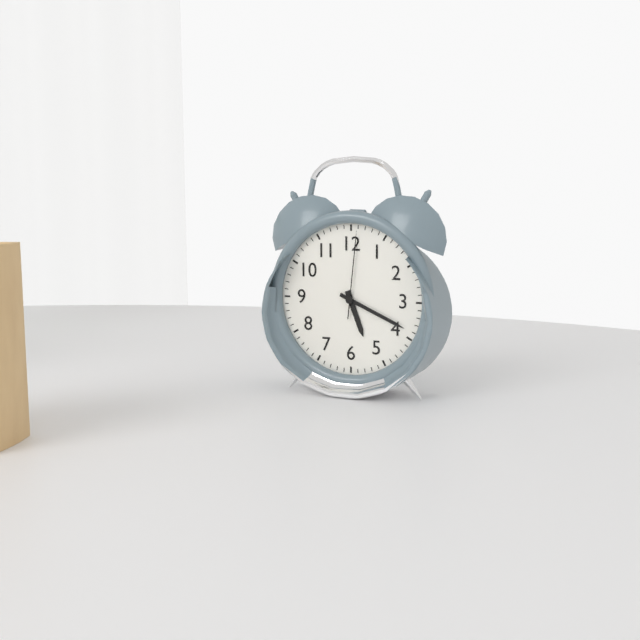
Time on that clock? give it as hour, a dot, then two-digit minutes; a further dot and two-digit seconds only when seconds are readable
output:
5.19.01
